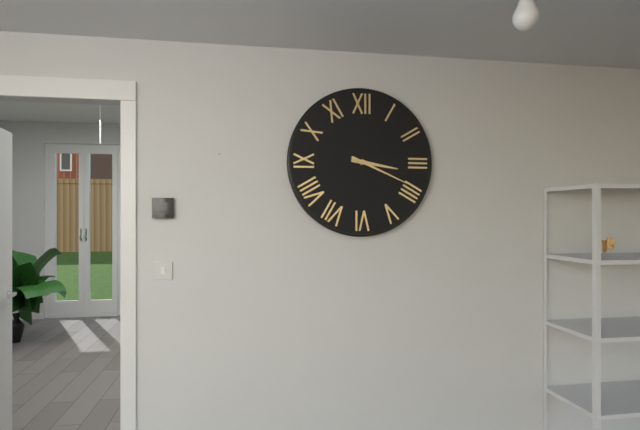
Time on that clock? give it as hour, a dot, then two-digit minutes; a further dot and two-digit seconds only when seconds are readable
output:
3.19
